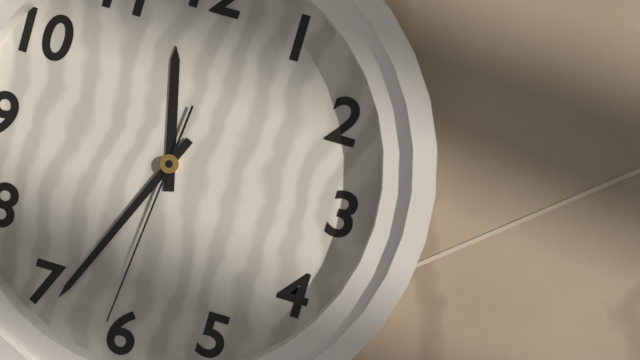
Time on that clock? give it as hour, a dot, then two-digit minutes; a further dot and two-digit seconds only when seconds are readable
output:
11.34.31
